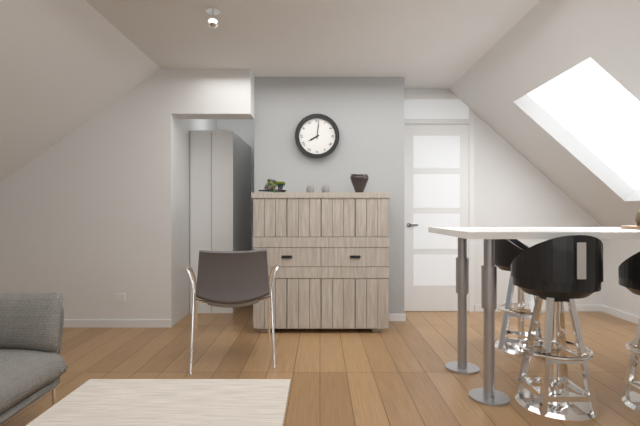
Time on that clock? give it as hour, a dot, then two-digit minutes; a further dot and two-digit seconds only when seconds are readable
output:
8.01
